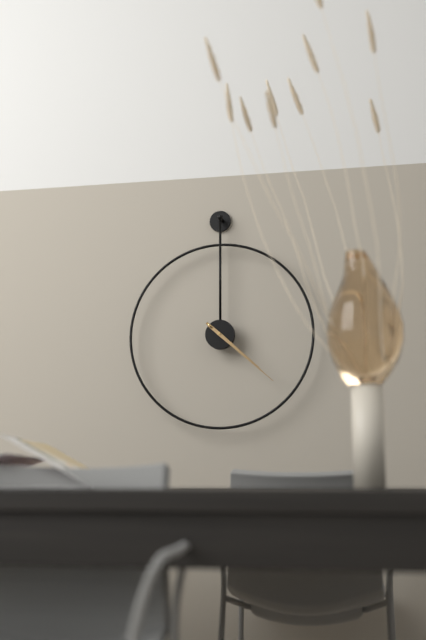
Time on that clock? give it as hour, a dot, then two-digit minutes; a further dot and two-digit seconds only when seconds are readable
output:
4.22
